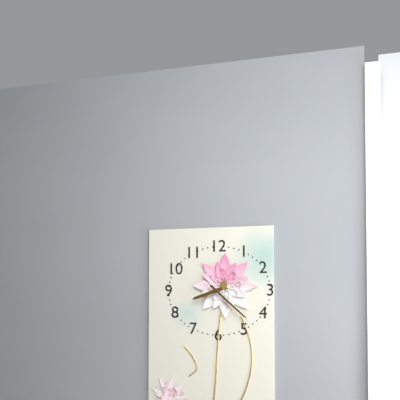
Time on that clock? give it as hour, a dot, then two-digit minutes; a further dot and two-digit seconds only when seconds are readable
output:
8.22
